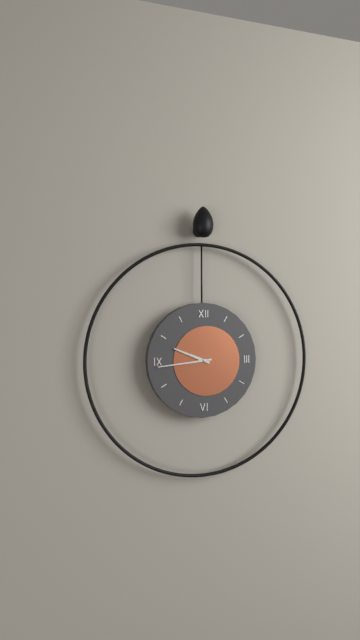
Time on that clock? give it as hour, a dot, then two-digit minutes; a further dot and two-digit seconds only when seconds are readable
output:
9.44
